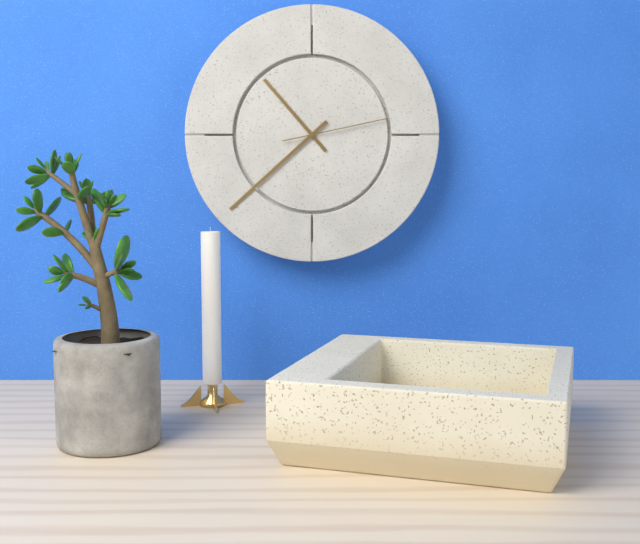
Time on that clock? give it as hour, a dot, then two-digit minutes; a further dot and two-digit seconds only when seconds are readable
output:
10.38.13
